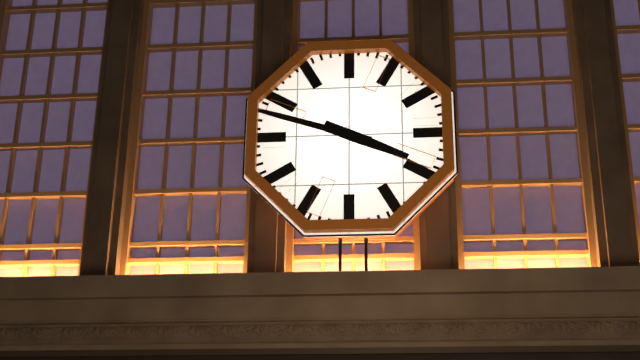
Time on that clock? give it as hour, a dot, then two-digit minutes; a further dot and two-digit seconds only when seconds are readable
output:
3.48
